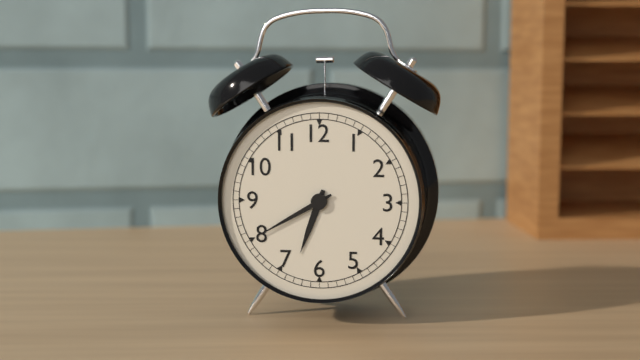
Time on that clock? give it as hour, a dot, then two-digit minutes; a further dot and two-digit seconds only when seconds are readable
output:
6.40
